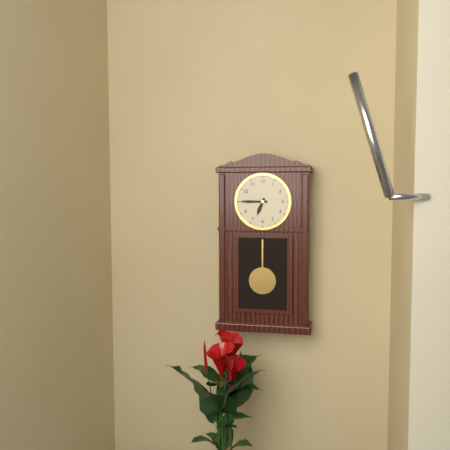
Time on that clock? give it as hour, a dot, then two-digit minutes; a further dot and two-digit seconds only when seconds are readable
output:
6.45
